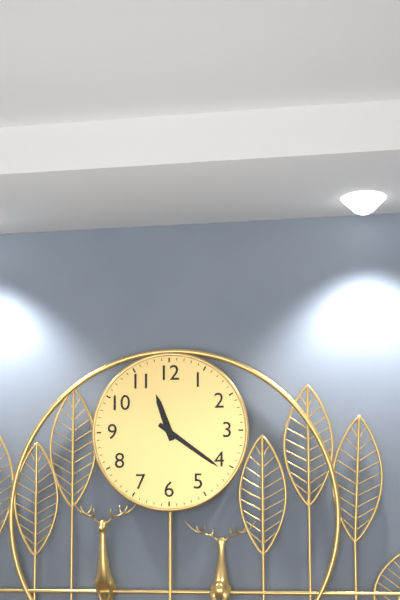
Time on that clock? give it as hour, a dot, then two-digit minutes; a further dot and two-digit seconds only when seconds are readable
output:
11.21
